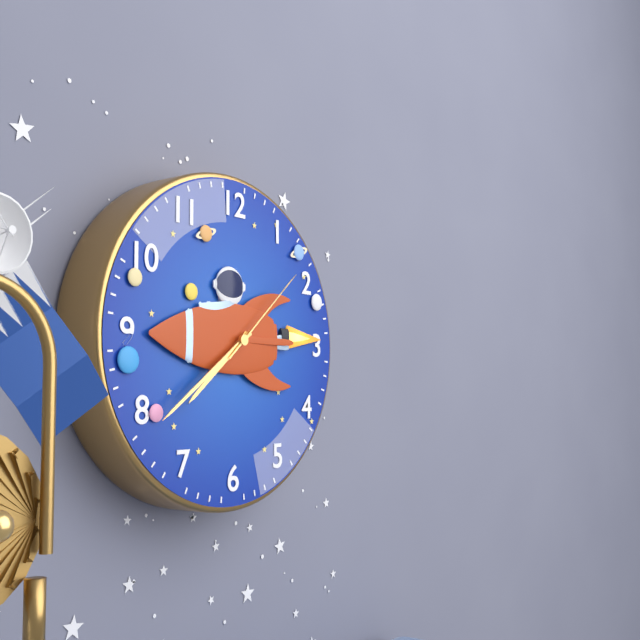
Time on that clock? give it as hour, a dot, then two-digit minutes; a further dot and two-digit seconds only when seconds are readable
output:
7.39.08
